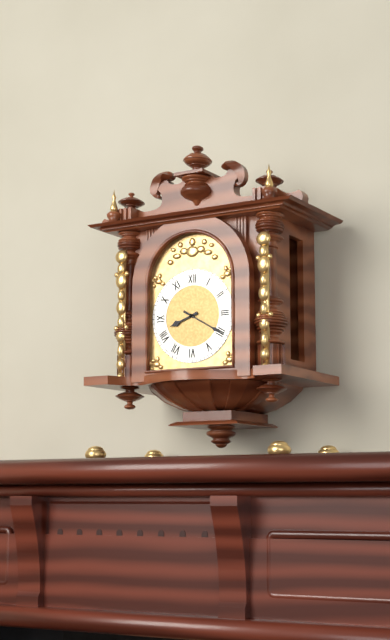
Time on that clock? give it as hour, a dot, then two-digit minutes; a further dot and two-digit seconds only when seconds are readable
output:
8.20
